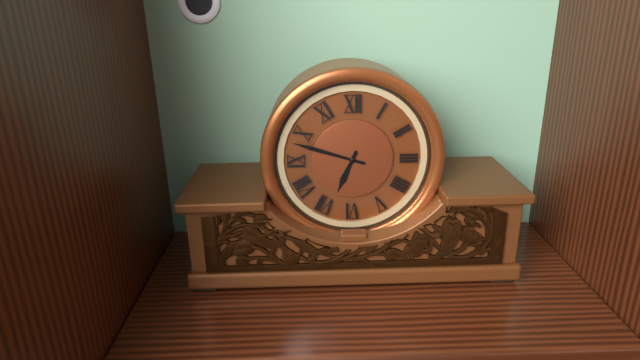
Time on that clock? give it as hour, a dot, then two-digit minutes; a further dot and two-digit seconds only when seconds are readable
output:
6.48
